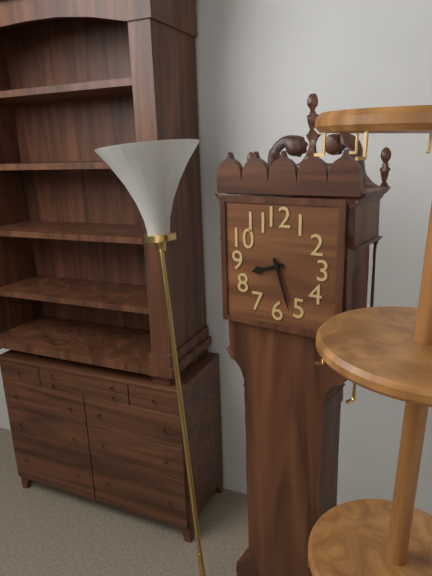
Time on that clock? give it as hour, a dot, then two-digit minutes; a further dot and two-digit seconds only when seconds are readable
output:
8.27
